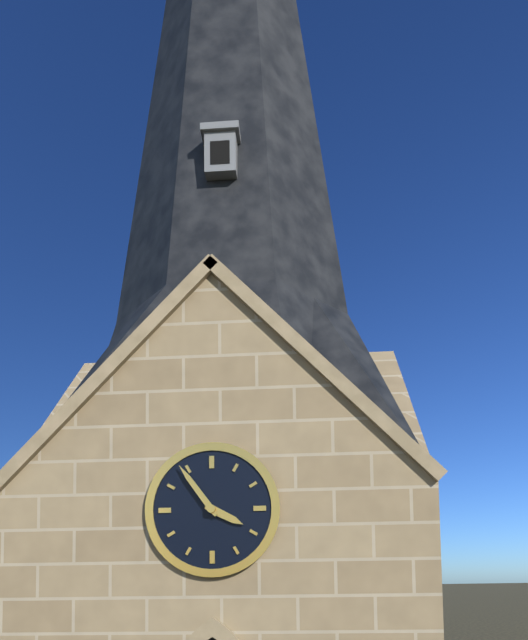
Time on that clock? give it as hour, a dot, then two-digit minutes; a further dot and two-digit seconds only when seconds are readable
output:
3.54
